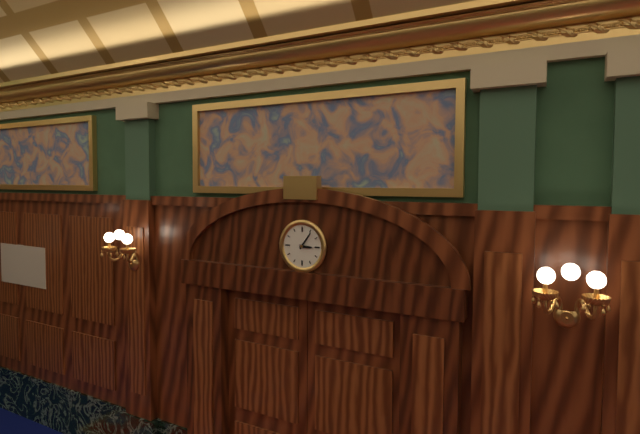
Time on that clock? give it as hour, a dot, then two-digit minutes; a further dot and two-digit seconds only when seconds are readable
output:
3.06
